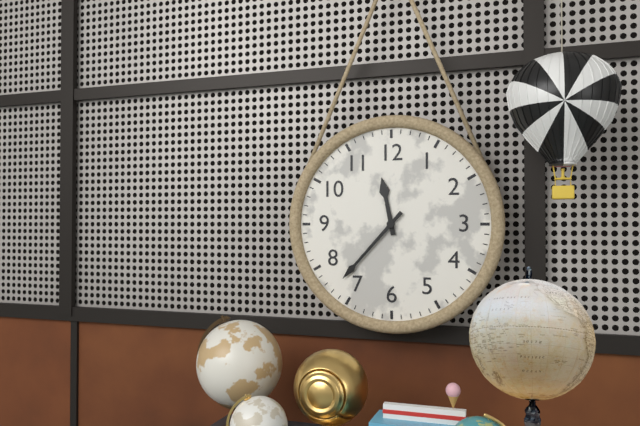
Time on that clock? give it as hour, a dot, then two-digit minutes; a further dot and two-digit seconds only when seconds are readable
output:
11.37
